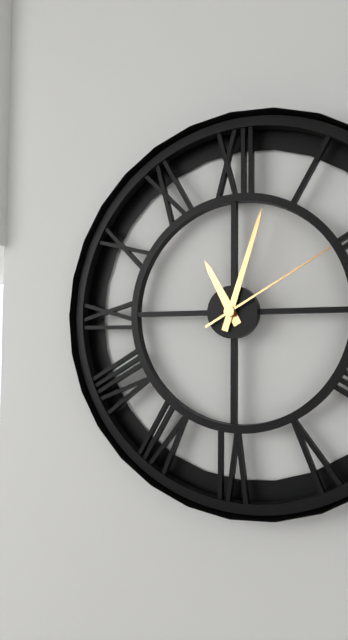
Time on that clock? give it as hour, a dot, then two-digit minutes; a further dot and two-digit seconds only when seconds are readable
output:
11.03.10
